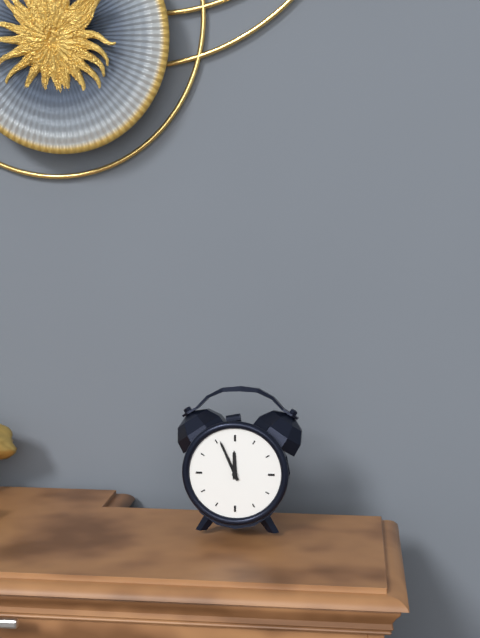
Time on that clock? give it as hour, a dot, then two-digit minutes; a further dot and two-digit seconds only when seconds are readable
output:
11.56
